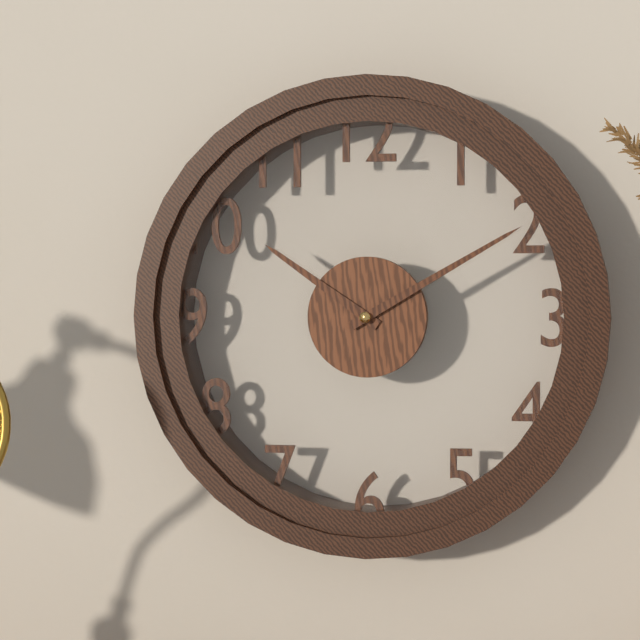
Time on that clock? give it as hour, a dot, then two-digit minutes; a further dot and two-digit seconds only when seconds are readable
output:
10.10
